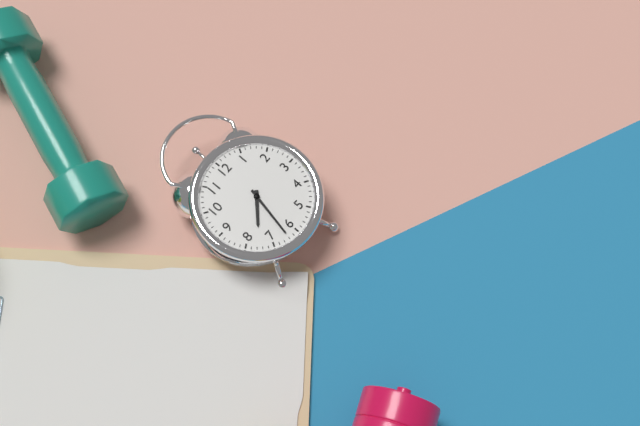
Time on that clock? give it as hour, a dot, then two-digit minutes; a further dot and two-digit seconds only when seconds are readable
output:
7.32
